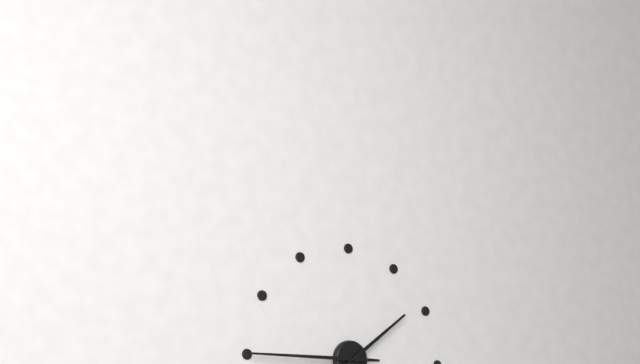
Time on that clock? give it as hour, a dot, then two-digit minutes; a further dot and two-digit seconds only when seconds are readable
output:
1.45
